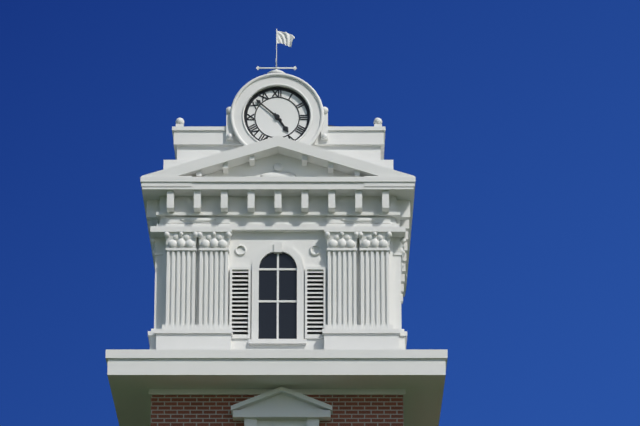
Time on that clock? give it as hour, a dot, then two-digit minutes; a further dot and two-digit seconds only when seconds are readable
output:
4.52
